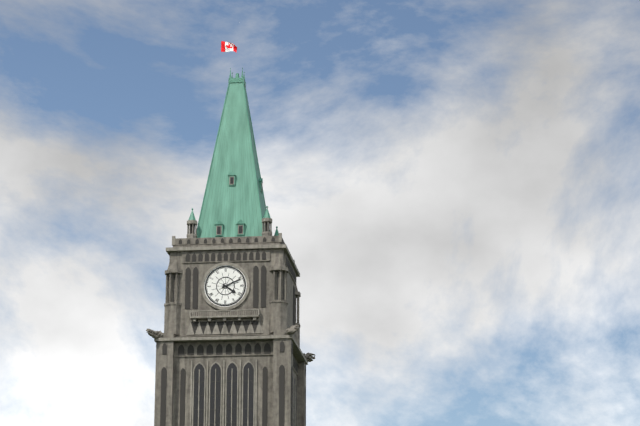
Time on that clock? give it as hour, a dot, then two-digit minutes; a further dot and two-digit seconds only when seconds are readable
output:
4.11
